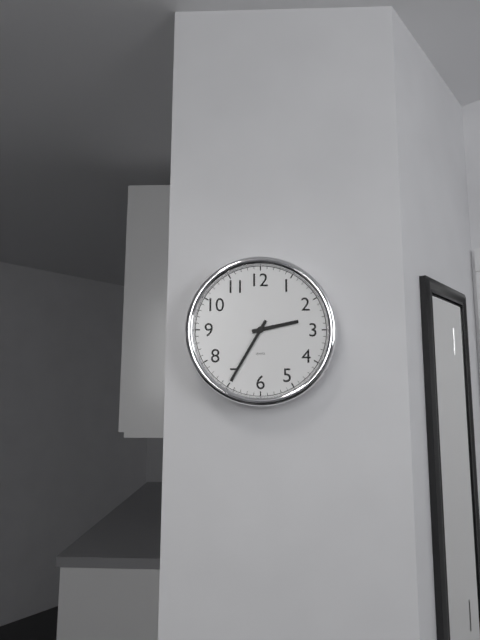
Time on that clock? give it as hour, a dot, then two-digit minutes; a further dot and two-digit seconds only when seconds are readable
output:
2.35
